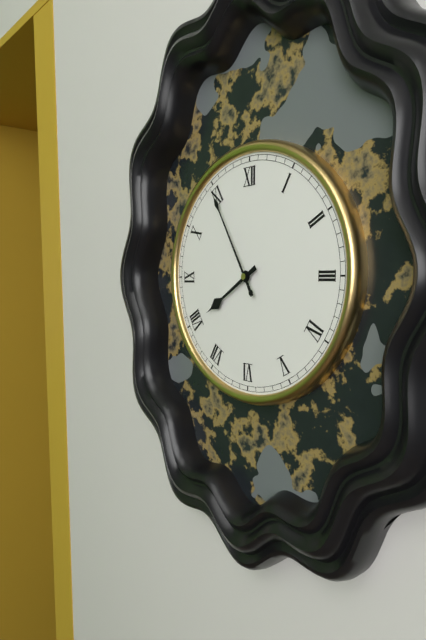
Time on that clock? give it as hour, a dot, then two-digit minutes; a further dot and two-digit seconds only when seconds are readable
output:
7.55
